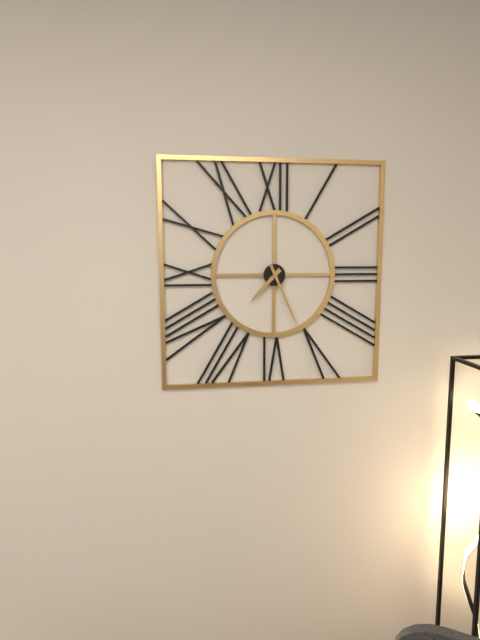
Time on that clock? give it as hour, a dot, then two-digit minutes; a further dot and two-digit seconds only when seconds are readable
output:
7.26
